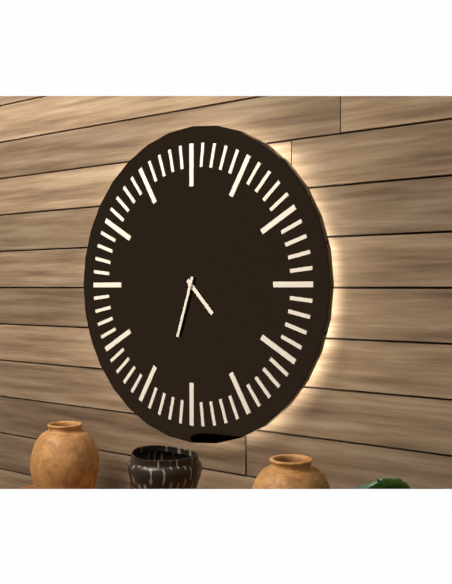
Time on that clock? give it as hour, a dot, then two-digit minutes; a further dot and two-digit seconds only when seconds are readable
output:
4.33
